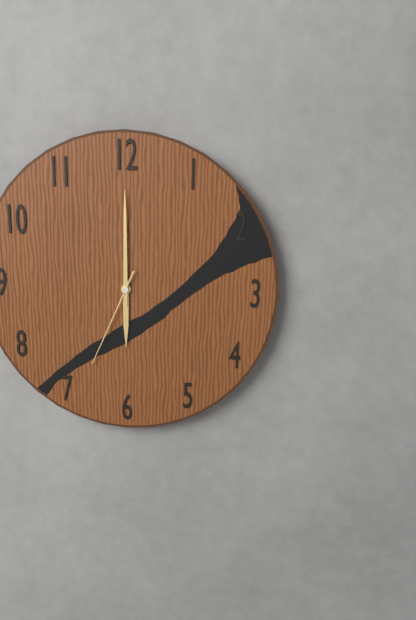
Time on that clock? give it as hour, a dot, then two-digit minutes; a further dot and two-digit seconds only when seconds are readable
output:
6.00.34
